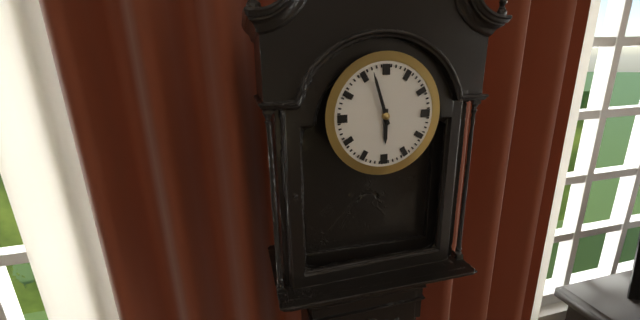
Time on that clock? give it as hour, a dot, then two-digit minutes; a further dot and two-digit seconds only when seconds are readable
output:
5.57
